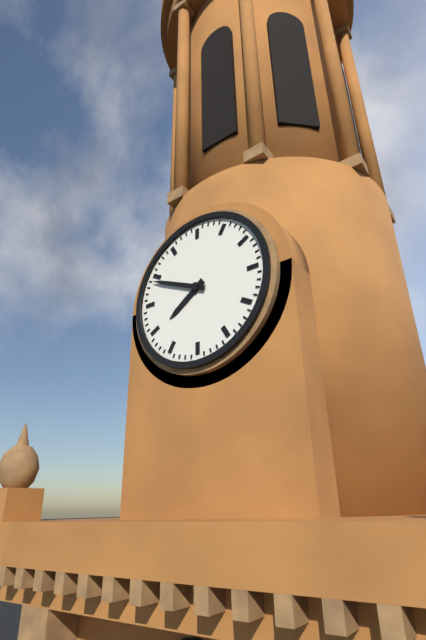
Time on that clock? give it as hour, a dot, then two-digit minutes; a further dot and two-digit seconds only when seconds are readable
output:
7.49
